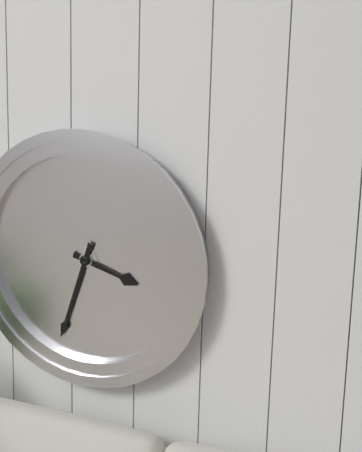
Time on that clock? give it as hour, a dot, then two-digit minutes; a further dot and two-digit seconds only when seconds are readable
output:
3.33
